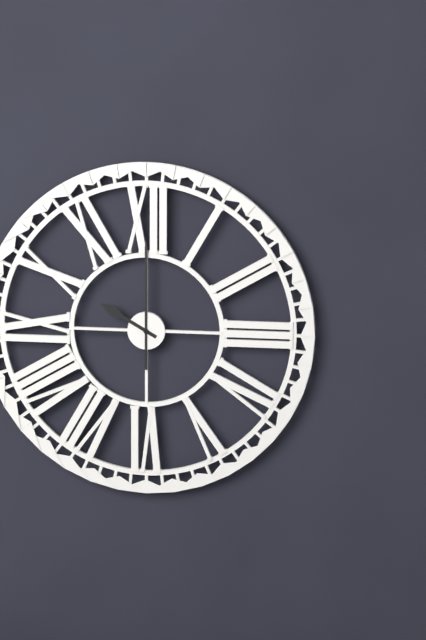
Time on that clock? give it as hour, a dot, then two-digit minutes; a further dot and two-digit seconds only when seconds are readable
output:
10.00
